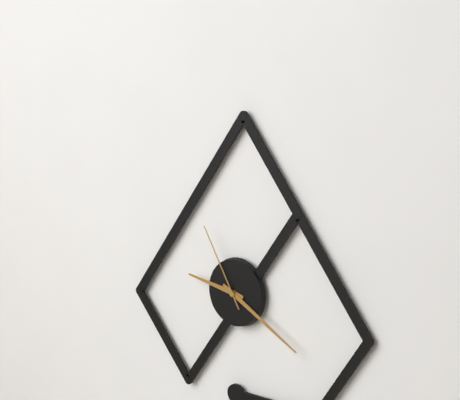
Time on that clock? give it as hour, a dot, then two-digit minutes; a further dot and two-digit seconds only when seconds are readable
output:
9.20.55
